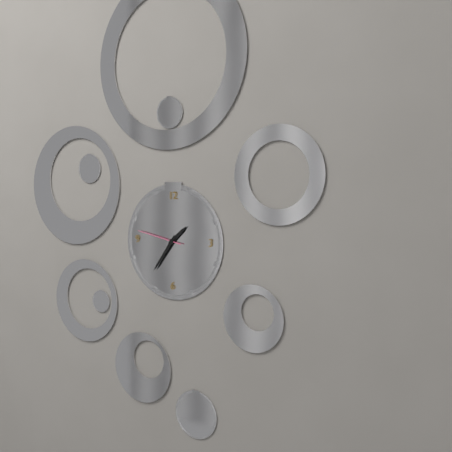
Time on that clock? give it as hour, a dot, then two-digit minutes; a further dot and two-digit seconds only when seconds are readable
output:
1.36
